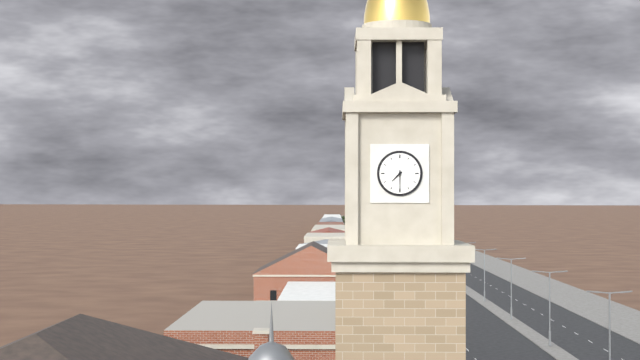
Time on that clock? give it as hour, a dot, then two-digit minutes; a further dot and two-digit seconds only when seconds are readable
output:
7.30
